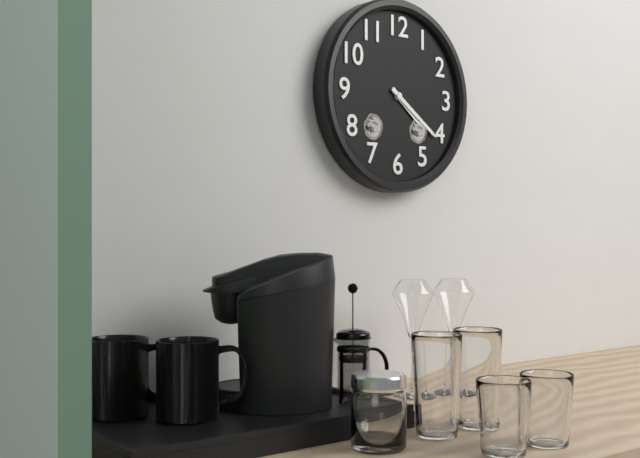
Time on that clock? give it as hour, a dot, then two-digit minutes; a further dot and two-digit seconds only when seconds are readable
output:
4.21
